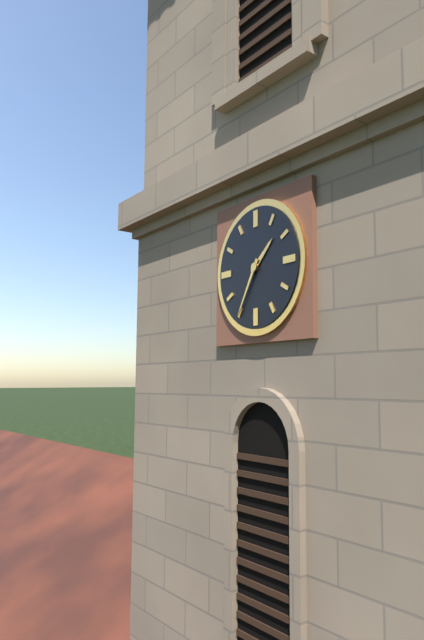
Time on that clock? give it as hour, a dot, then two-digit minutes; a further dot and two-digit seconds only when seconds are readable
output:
1.35
